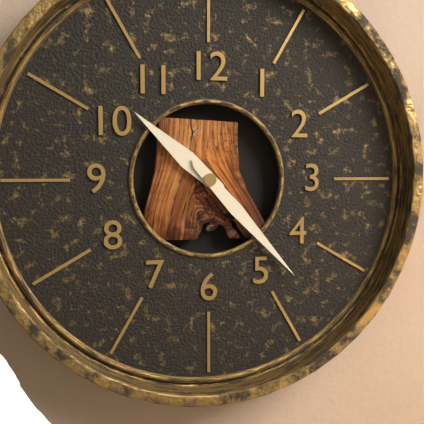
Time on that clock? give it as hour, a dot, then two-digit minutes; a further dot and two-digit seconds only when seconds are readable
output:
10.23
